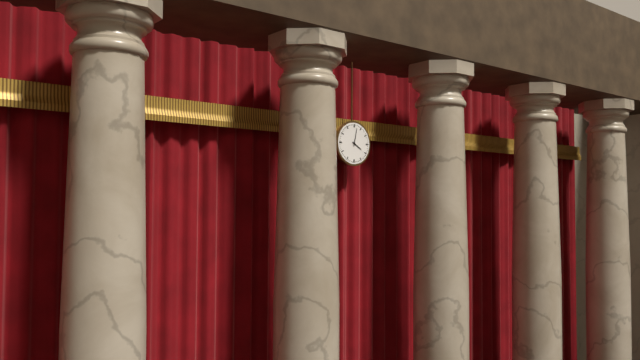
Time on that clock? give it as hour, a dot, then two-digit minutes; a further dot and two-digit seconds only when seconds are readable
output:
4.02
